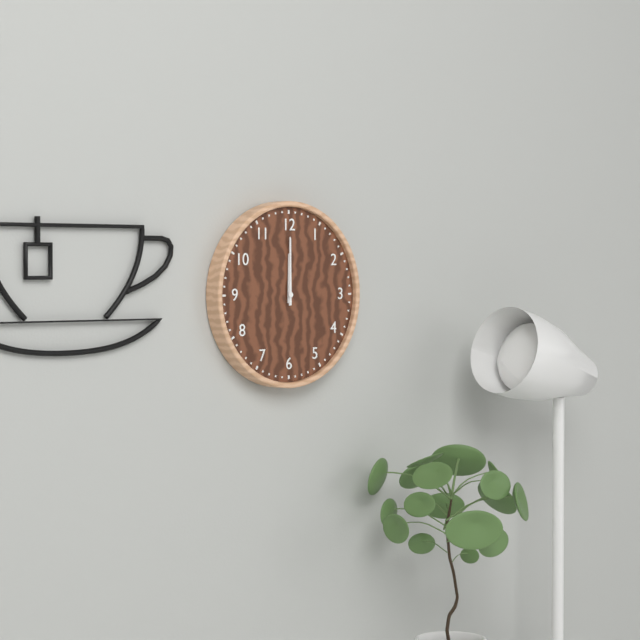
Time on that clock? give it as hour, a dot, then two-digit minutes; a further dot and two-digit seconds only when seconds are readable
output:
12.00
